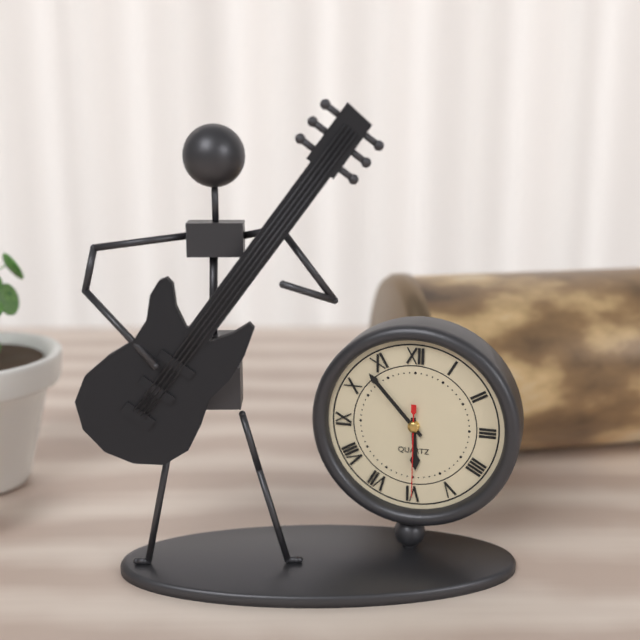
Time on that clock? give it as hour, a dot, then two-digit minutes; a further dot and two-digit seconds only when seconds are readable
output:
5.53.30
